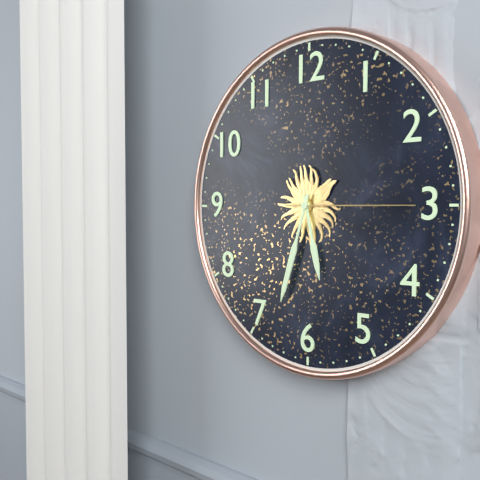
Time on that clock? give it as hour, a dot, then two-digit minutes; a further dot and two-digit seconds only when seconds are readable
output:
5.33.15
